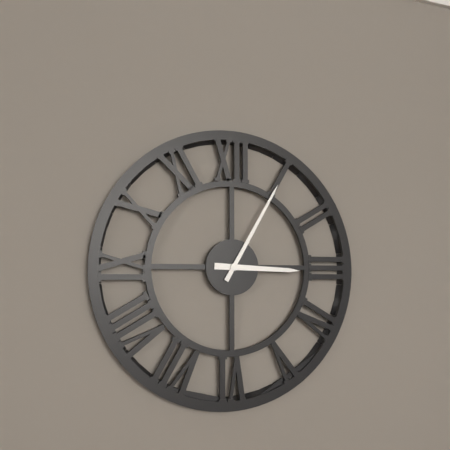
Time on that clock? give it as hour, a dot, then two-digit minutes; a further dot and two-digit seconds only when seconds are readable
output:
3.05
